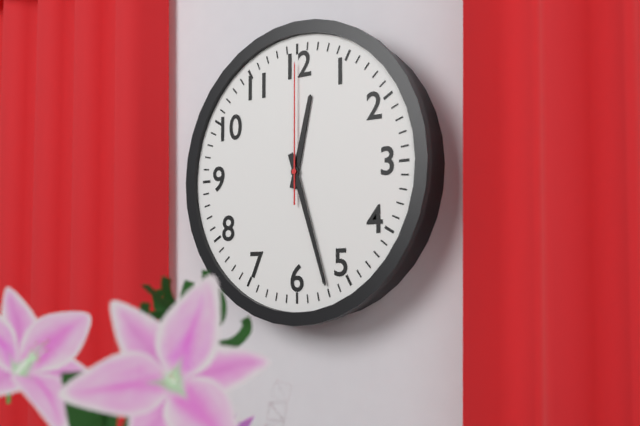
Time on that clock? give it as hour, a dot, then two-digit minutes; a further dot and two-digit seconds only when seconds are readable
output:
12.27.00
